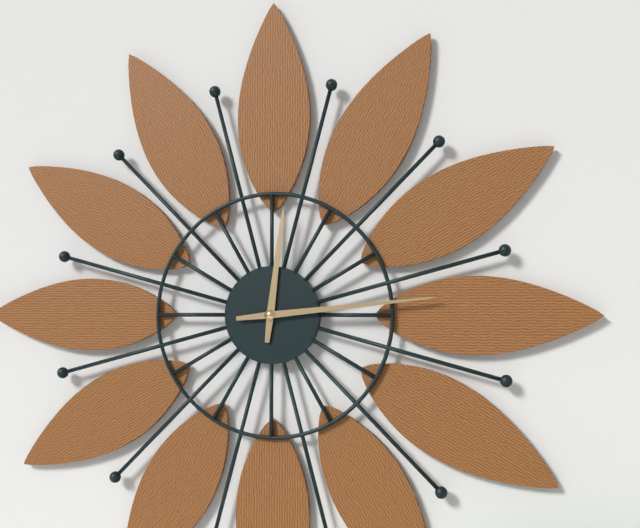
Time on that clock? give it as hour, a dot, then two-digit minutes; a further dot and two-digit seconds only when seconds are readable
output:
12.14
